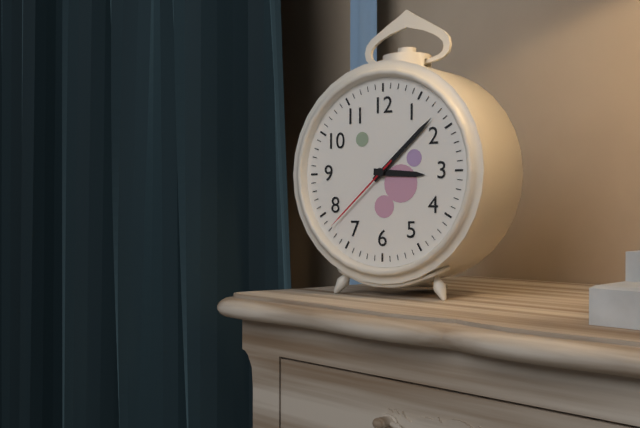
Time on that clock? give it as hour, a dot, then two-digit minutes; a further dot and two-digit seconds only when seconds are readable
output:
3.08.38
